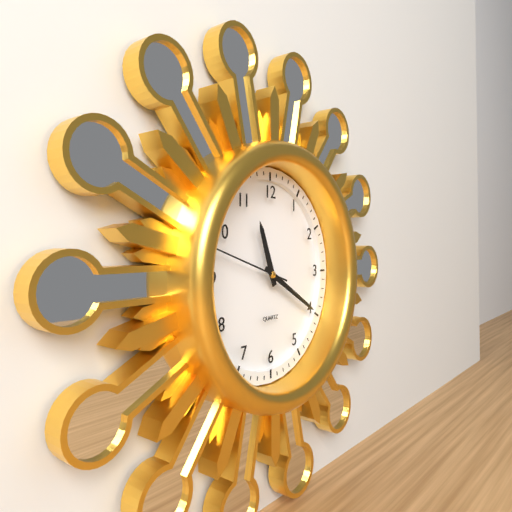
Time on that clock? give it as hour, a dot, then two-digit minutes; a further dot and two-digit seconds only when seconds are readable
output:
11.20.48
